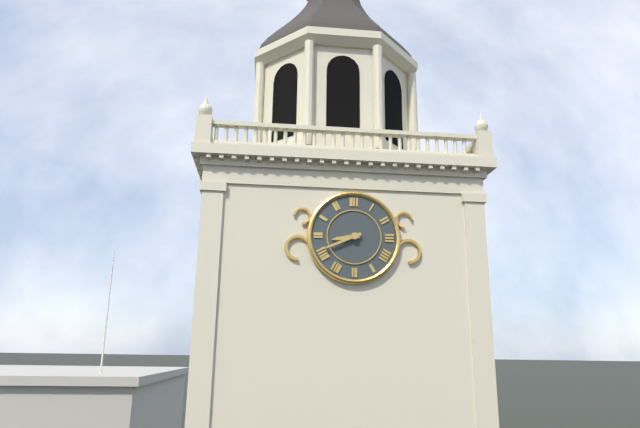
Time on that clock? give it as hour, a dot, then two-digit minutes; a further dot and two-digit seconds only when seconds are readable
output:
8.41
